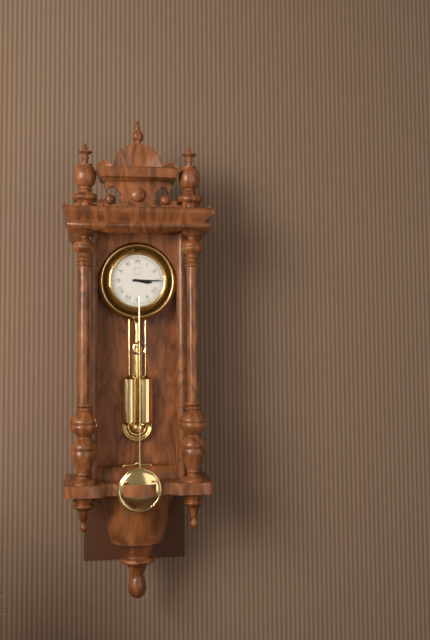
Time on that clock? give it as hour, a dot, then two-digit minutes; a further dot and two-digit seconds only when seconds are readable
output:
3.15
